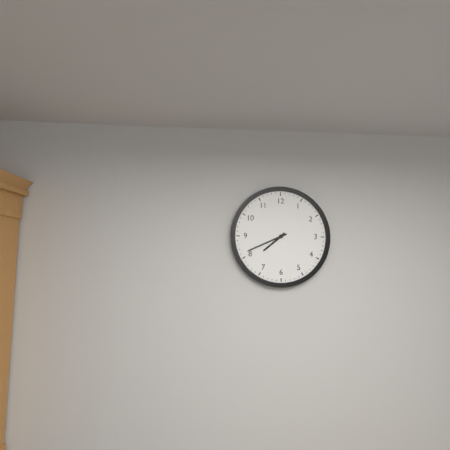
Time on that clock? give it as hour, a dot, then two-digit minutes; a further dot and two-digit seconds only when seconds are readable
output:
7.41
